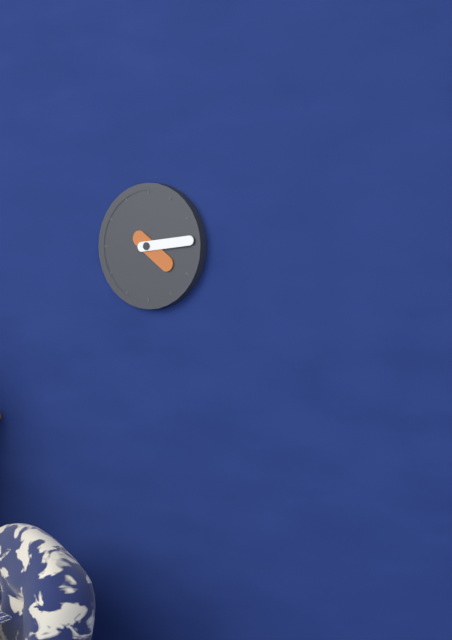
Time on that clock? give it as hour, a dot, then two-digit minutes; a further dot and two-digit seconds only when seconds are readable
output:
4.14
